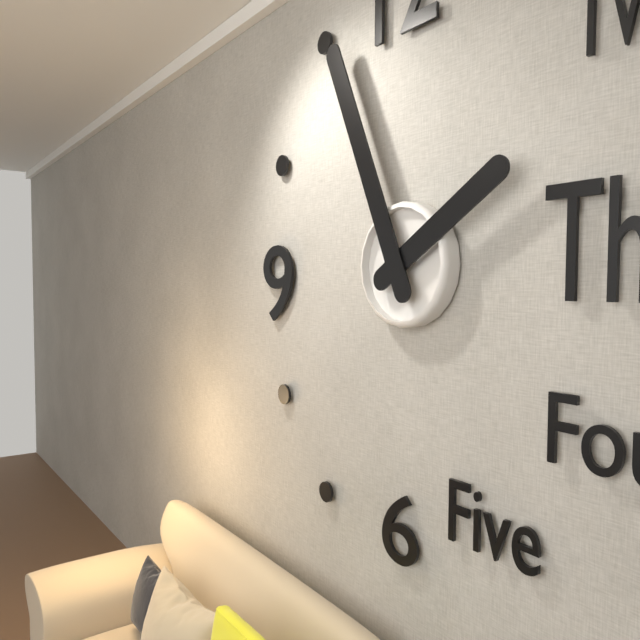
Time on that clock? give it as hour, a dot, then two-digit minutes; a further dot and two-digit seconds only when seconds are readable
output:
1.56
